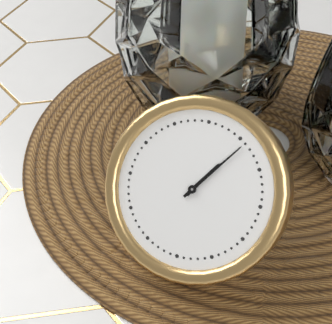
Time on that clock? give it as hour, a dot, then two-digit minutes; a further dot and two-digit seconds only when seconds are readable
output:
1.06
